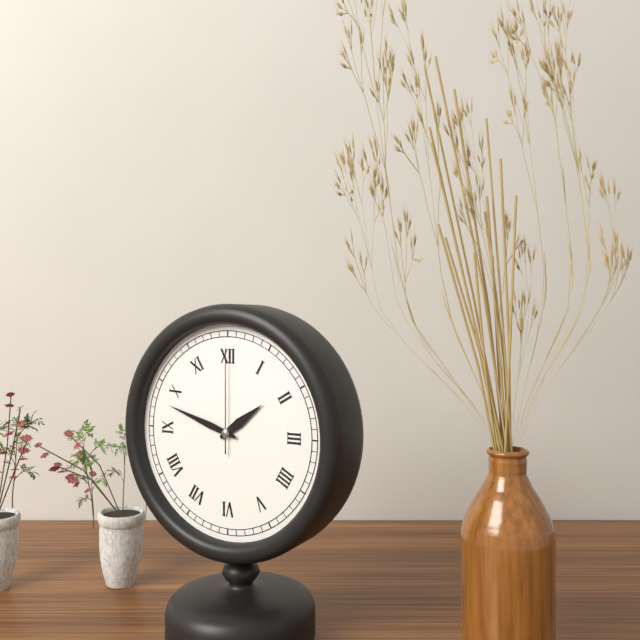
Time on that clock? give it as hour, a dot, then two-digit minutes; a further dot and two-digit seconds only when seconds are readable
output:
1.48.00
